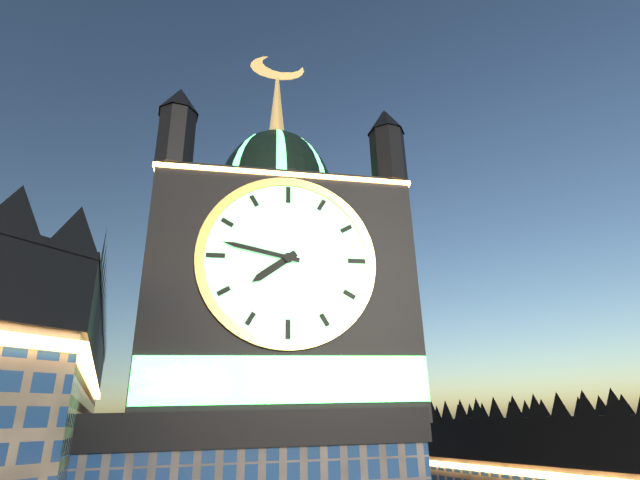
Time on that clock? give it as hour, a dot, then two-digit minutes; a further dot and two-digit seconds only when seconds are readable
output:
7.47
